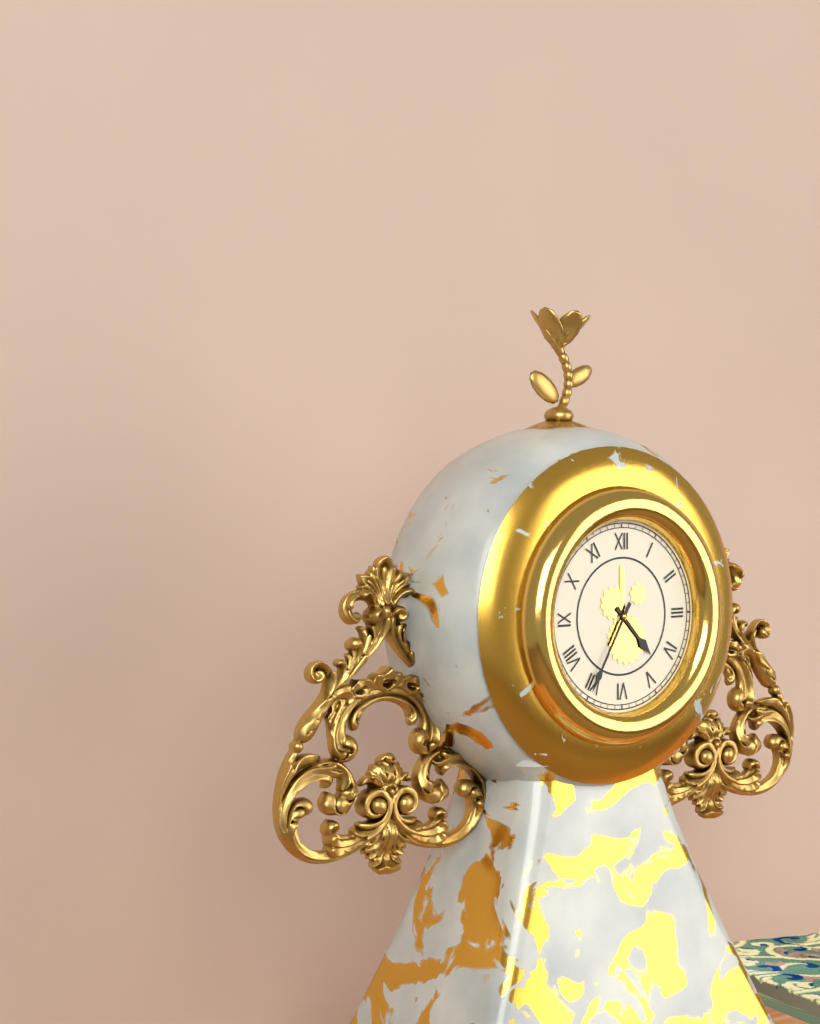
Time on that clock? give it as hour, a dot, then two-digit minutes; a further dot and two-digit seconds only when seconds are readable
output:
4.35
